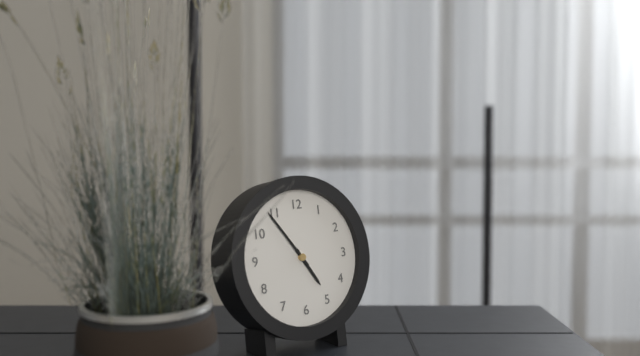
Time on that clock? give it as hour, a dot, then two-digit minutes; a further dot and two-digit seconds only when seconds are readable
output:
4.54
